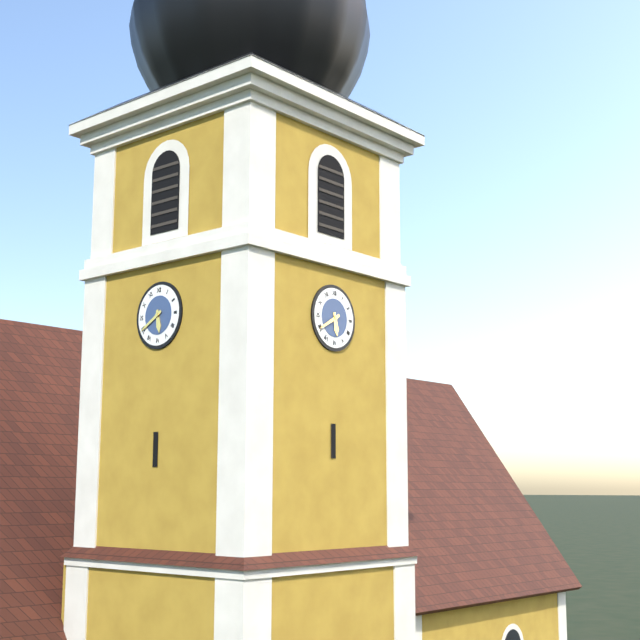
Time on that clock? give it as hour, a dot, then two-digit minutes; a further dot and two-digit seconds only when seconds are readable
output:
5.40
